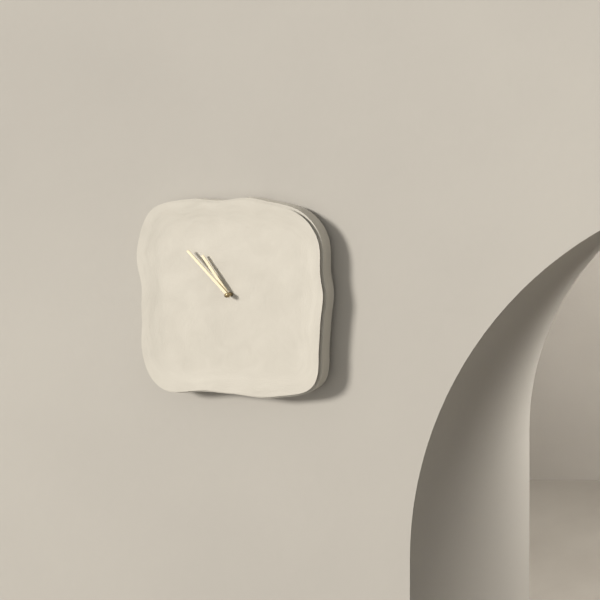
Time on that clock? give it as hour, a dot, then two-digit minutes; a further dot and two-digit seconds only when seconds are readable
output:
10.53
